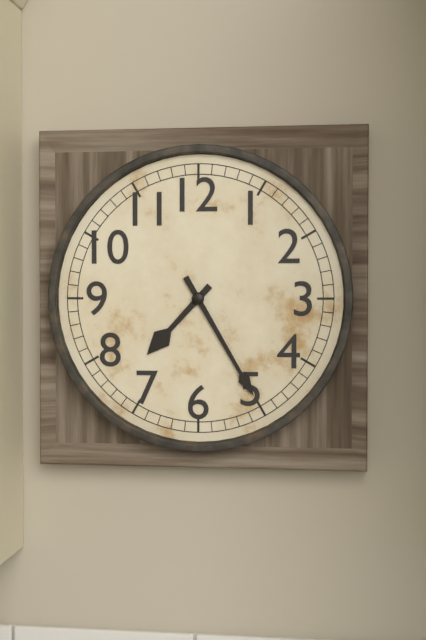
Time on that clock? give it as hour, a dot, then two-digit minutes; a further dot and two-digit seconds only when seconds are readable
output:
7.25
